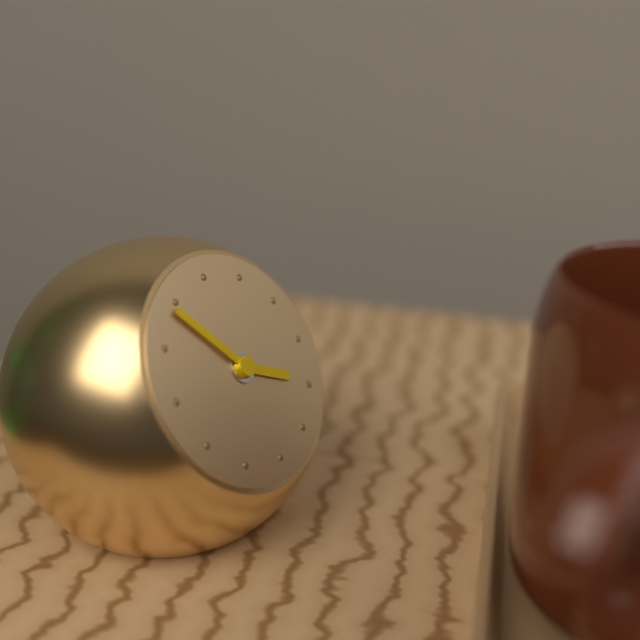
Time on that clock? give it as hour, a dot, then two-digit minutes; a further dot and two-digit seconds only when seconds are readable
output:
3.54
